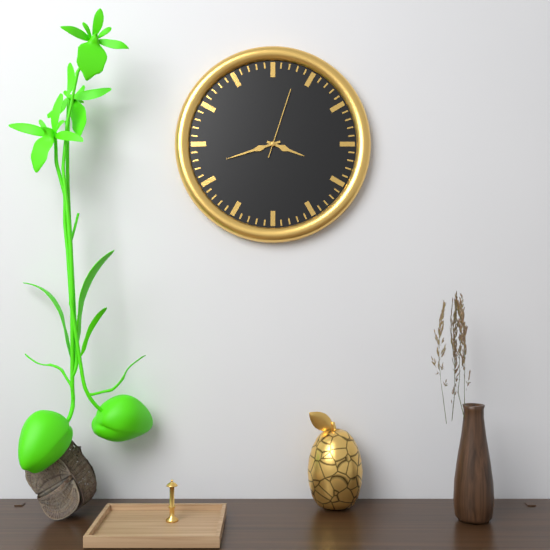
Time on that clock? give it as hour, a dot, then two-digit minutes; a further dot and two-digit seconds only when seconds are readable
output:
3.42.03
